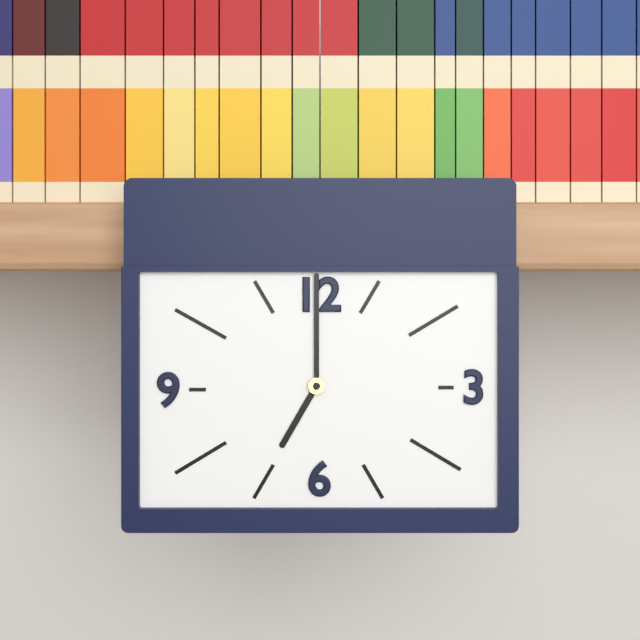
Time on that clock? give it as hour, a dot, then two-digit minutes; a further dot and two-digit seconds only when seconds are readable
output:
7.00
